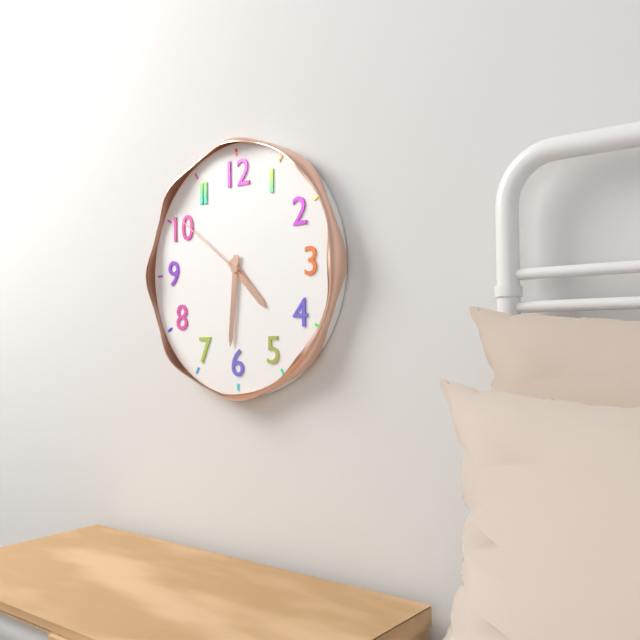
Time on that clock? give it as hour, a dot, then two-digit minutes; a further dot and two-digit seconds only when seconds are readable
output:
4.31.51
